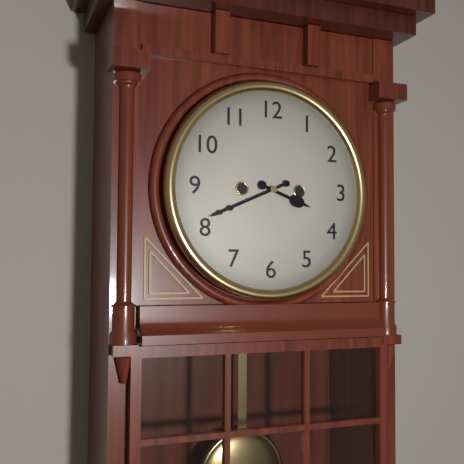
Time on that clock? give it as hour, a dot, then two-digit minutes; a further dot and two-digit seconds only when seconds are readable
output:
3.41
